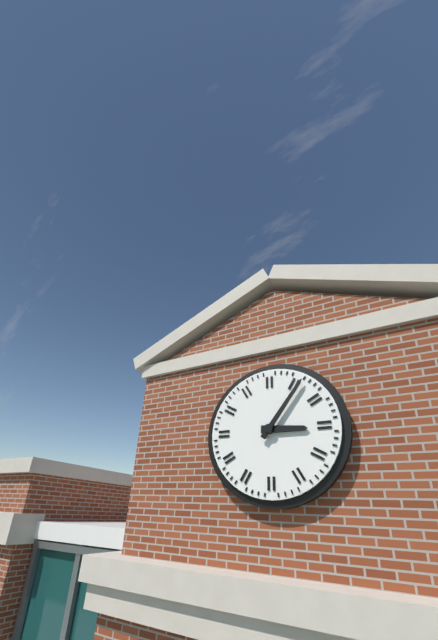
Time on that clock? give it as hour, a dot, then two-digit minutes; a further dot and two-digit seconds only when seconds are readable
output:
3.06
